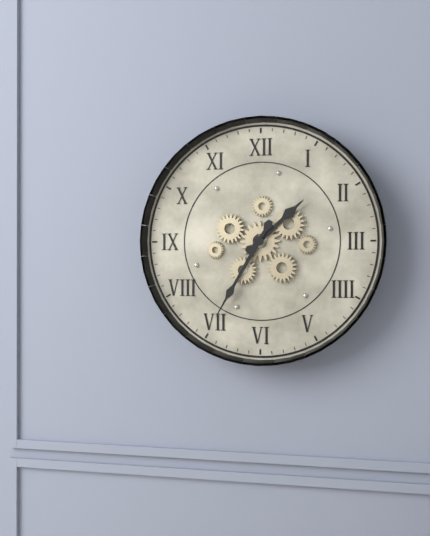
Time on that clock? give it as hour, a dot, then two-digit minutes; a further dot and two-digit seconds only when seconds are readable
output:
1.35
